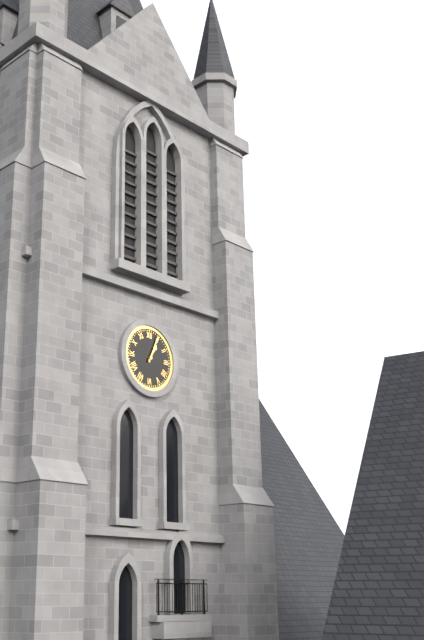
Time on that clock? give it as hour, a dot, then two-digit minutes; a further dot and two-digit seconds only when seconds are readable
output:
1.04
